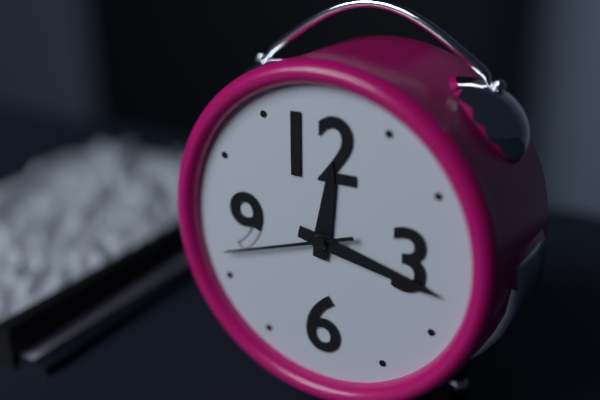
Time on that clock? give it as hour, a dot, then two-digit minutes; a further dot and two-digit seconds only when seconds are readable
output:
12.17.42
